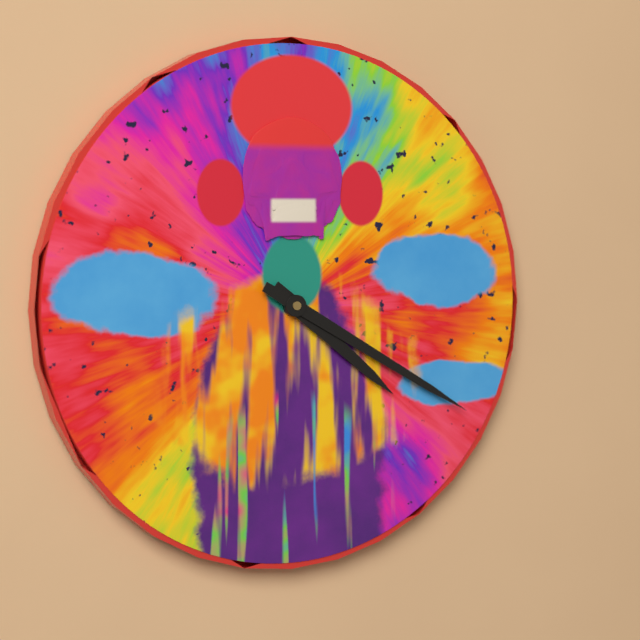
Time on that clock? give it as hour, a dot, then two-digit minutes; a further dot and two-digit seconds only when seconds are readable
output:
4.20
